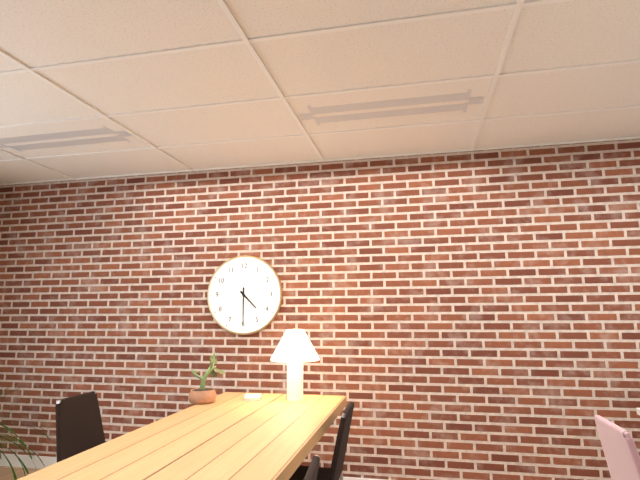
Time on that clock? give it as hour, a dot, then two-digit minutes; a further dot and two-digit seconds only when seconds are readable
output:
4.30
